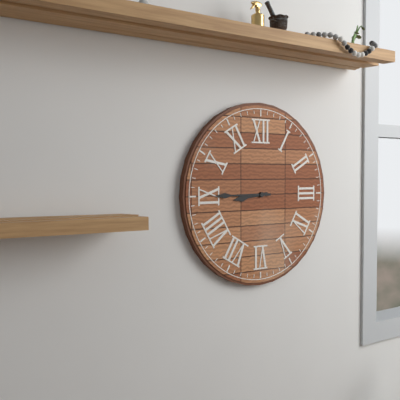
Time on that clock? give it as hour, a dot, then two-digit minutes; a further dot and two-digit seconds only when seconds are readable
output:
8.45
